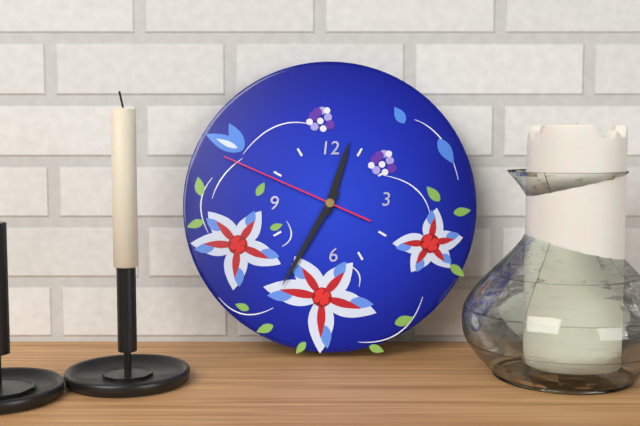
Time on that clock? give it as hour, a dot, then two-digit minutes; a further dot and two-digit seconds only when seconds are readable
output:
12.35.49
